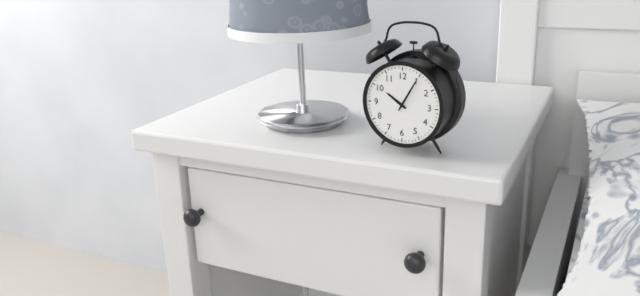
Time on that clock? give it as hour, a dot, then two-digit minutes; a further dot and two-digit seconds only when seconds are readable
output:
10.05
